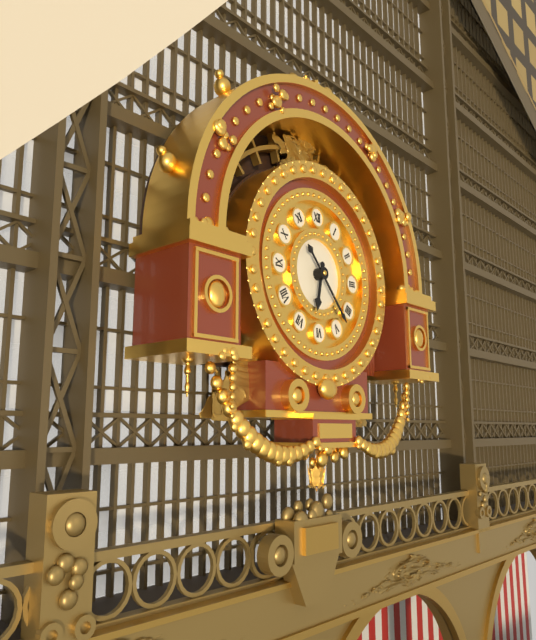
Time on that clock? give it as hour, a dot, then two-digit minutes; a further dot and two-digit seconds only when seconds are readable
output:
6.23
